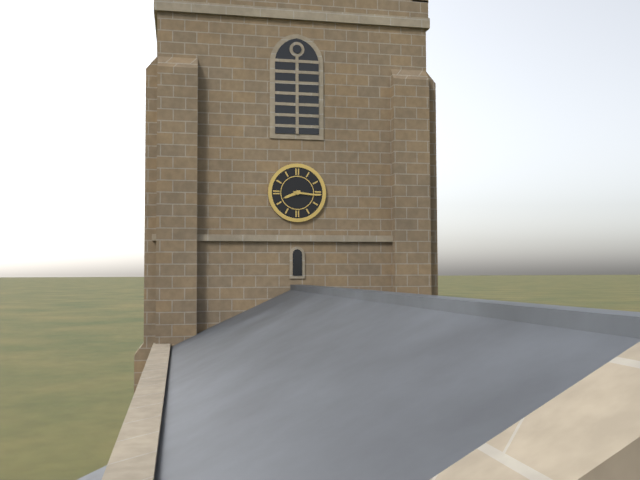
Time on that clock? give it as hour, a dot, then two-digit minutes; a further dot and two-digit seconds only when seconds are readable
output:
8.16
